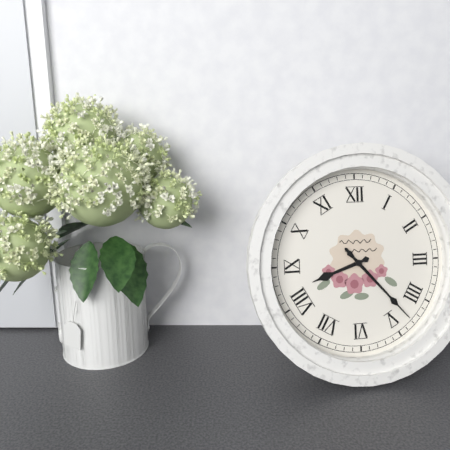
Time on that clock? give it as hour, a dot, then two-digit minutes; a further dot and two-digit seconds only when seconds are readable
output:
8.23.23
